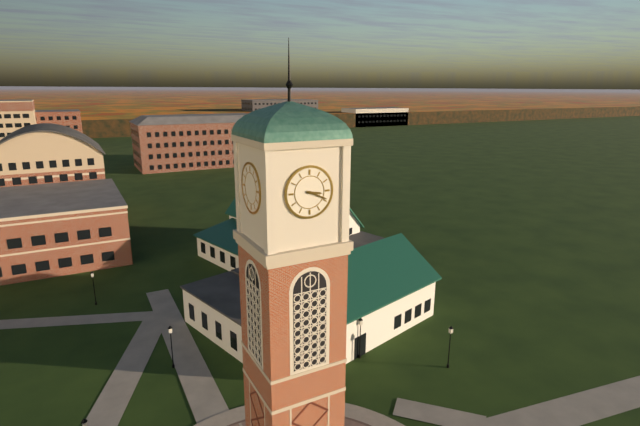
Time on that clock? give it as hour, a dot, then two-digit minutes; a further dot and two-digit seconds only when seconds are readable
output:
3.19
